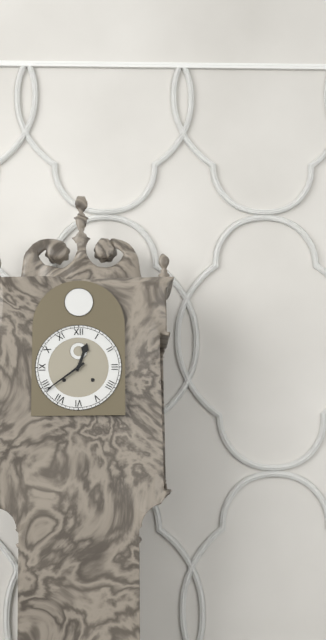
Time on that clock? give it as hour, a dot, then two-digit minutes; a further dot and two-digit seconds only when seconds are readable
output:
12.39
